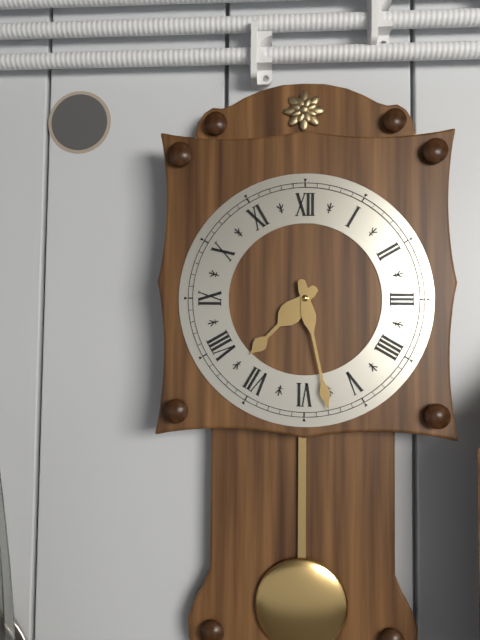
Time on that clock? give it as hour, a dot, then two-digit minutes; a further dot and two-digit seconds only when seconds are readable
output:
7.28
